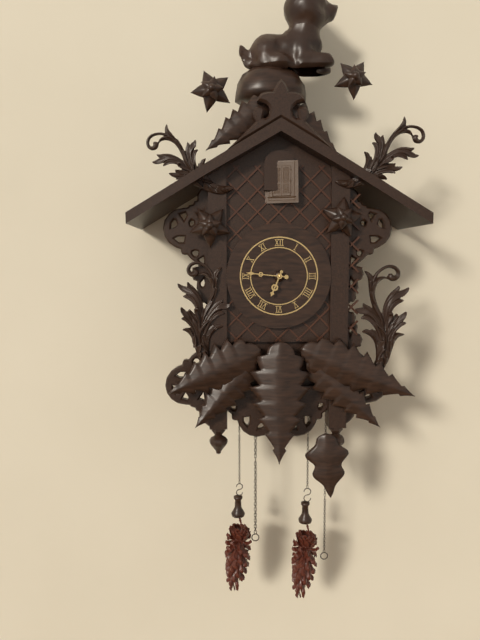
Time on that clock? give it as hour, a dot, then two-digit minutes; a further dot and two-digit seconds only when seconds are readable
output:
6.46
